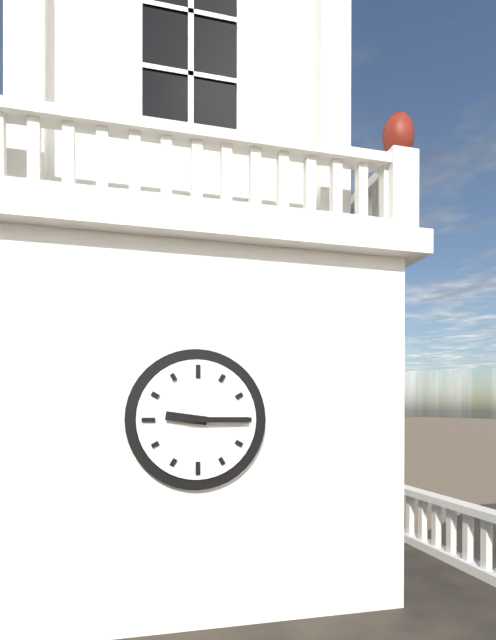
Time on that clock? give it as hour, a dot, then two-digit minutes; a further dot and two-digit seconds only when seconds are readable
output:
9.15
